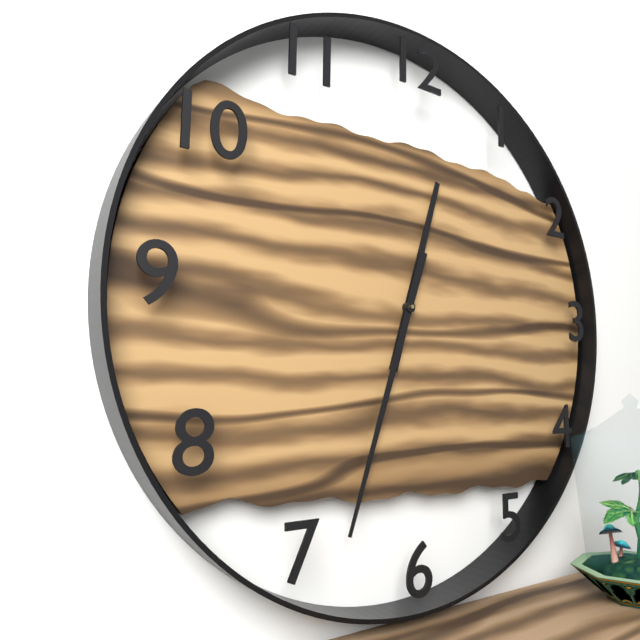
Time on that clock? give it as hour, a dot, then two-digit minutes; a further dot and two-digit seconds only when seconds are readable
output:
12.33
